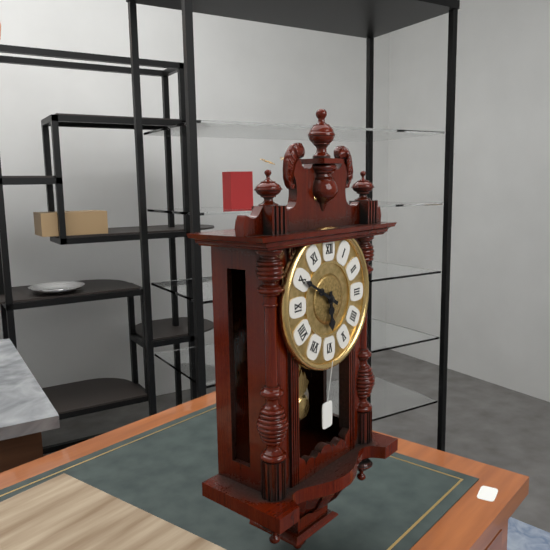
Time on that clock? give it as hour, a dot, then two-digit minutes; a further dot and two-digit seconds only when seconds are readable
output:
5.50
